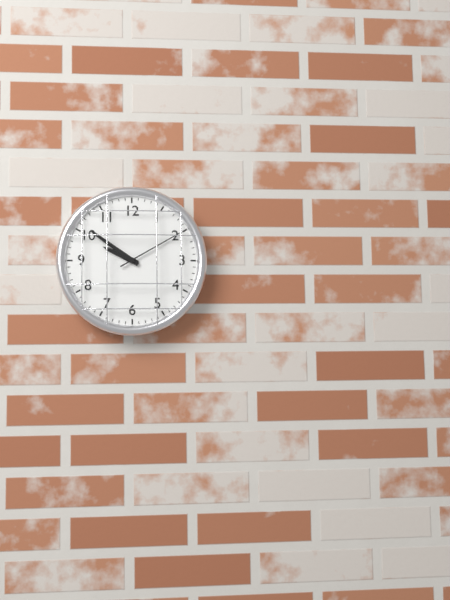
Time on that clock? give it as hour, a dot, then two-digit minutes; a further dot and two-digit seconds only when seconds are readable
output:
9.51.10
